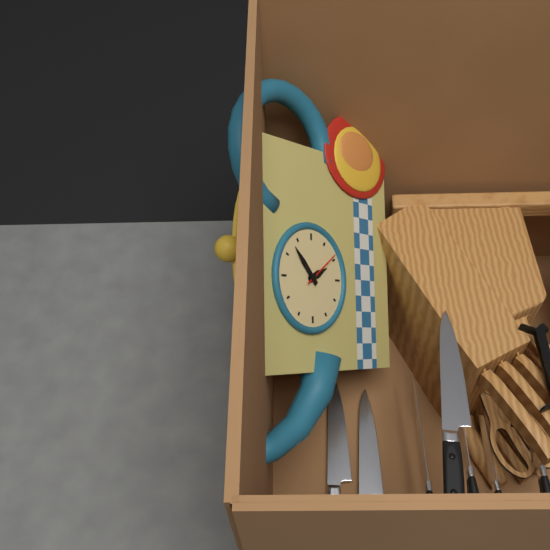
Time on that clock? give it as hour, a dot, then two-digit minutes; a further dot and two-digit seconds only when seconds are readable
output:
5.08
